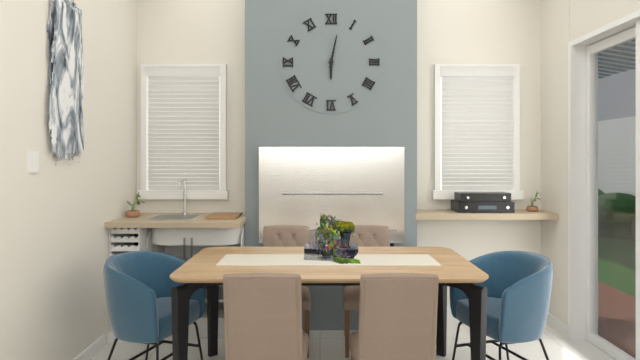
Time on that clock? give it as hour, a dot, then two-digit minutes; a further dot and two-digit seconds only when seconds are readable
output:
6.02
